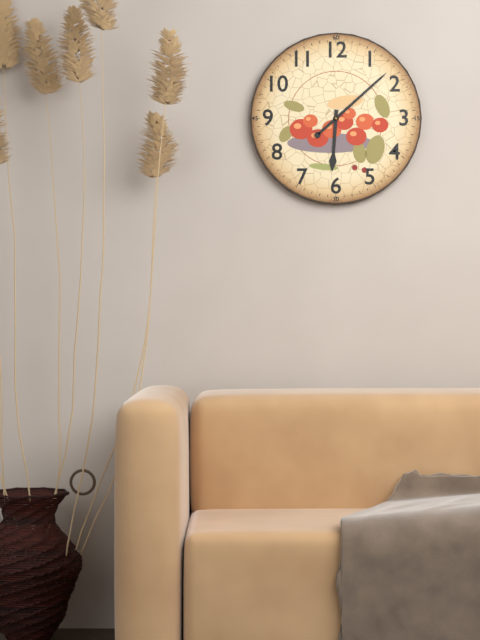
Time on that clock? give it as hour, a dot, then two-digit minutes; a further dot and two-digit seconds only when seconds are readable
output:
6.08
